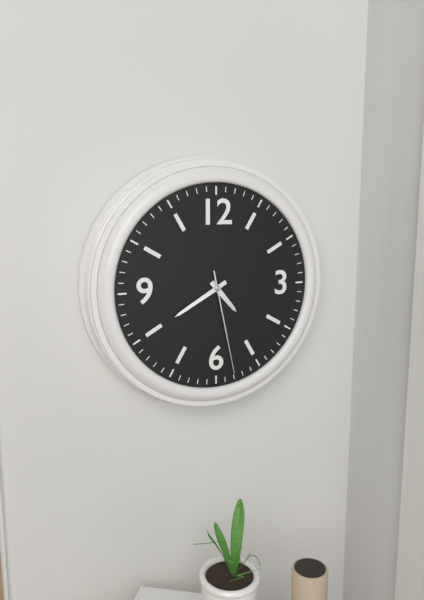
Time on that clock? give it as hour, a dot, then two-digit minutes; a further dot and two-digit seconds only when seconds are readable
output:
4.40.28
